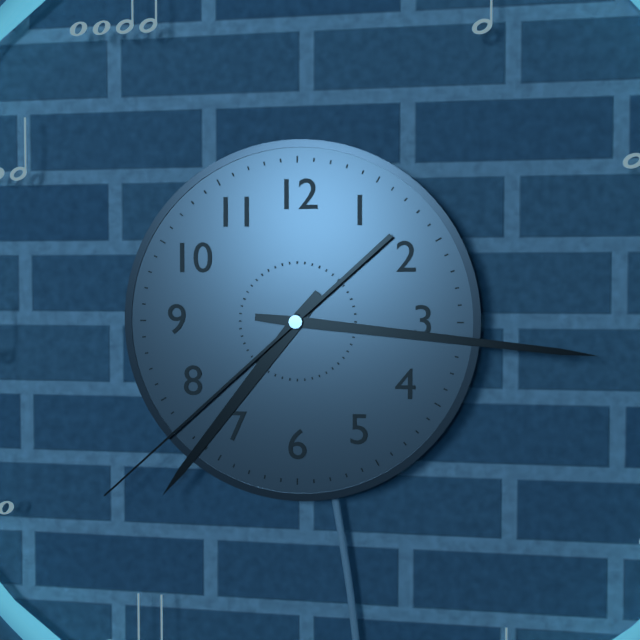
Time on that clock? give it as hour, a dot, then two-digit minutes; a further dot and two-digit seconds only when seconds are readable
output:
7.16.38
